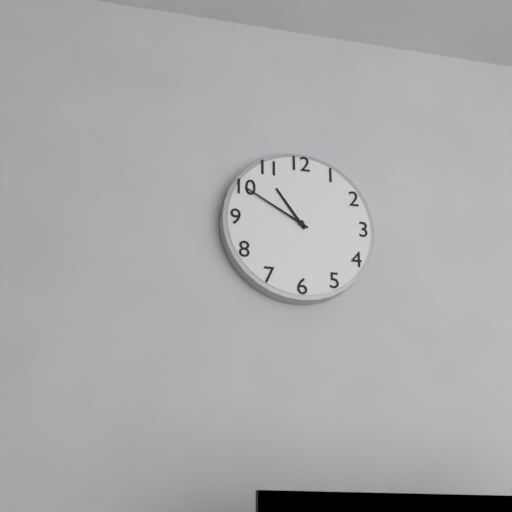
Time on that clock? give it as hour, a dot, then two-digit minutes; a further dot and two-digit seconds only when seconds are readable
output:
10.50
